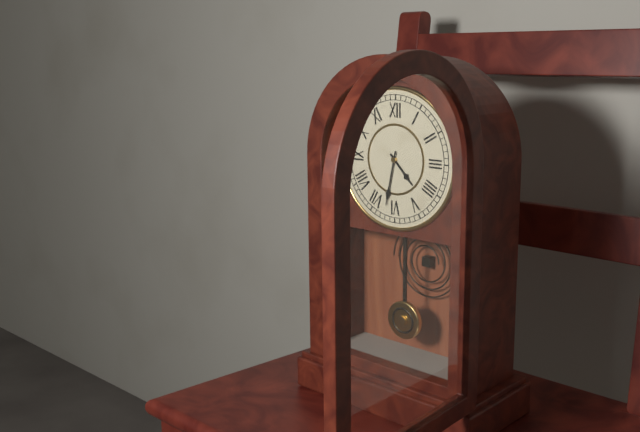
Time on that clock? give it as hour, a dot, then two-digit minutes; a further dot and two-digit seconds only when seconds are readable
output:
4.32
